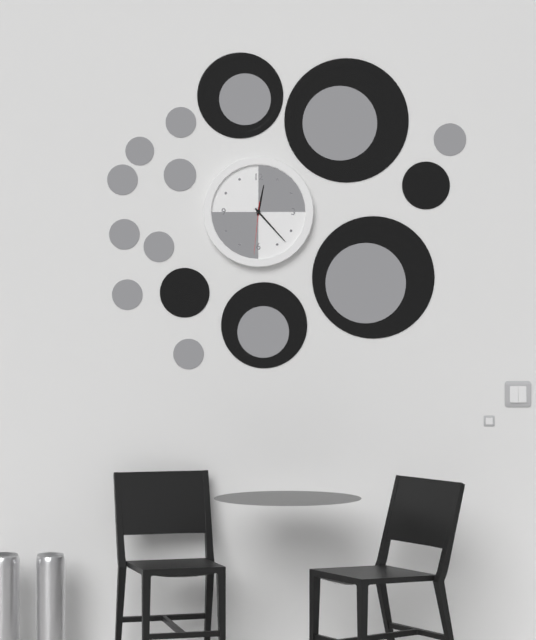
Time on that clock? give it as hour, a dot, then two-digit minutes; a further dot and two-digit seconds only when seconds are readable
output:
12.23.31
